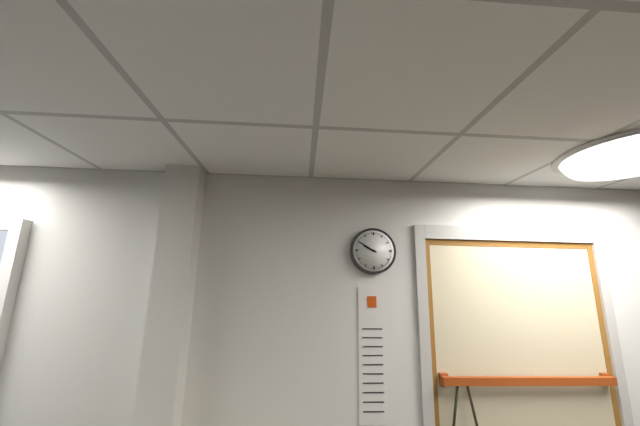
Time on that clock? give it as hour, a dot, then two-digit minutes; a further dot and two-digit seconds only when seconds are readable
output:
9.50
